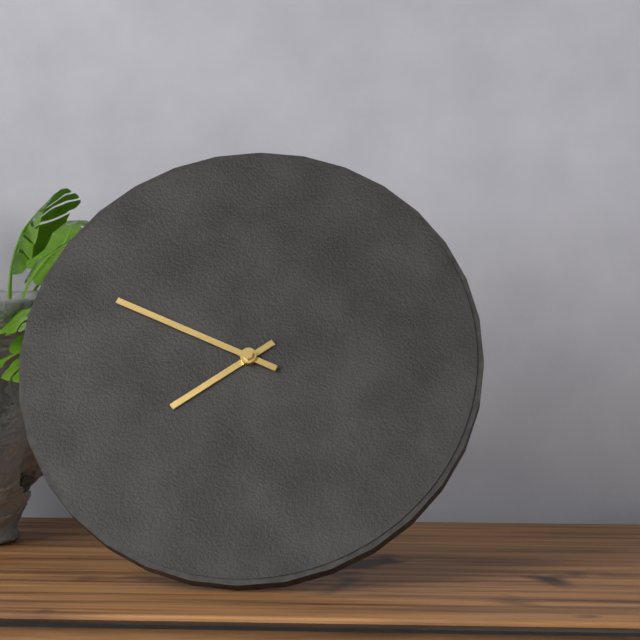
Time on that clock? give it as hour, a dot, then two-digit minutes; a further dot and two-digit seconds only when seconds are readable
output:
7.49
